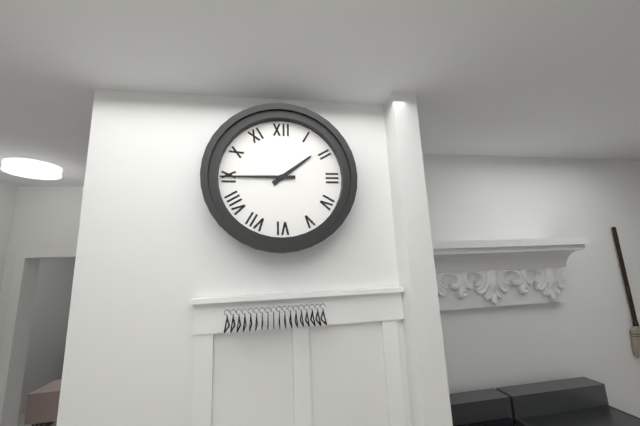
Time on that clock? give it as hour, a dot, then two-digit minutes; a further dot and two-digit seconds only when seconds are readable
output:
1.45
